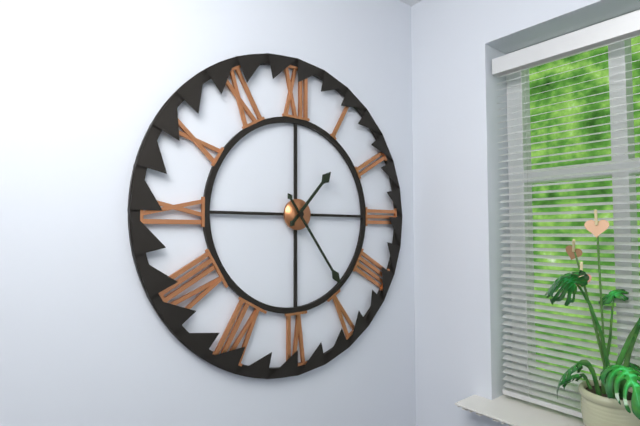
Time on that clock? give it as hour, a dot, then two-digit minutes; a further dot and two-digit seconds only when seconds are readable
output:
1.24
